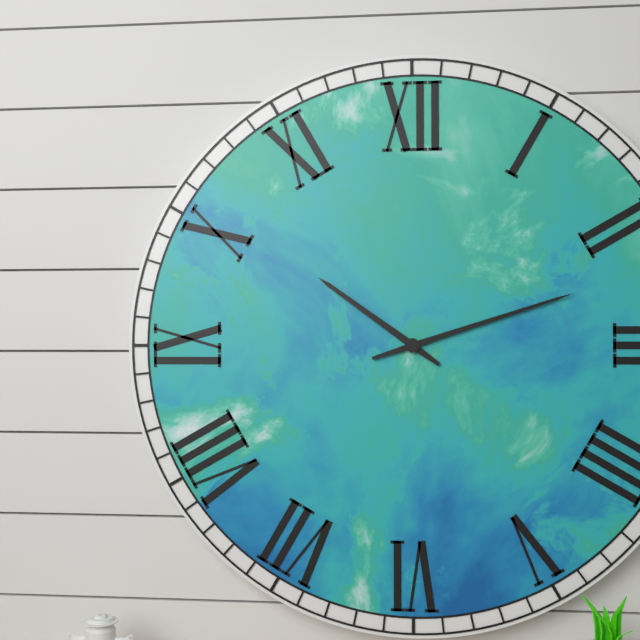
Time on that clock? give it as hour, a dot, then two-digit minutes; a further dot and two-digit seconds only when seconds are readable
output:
10.12
